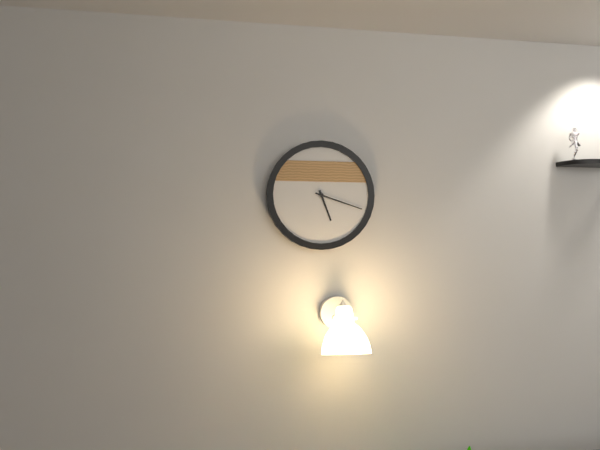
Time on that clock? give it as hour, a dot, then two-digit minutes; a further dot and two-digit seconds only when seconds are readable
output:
5.18
